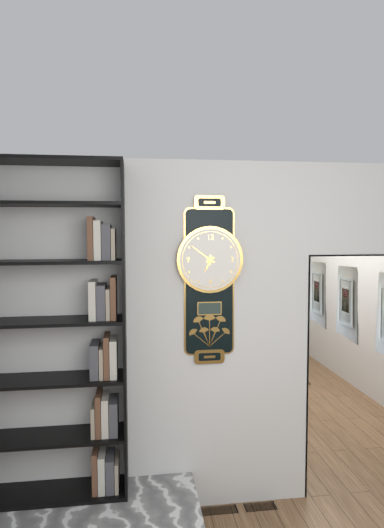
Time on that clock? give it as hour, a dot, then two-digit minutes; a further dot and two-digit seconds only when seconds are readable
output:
6.51
